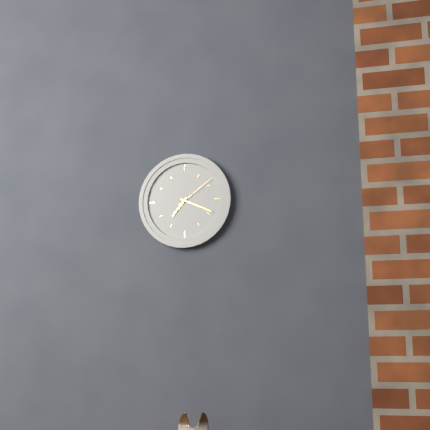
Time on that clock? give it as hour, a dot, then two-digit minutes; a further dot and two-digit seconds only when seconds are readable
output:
7.19
